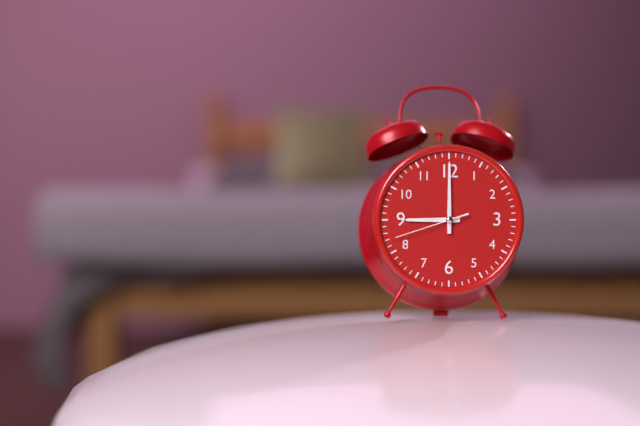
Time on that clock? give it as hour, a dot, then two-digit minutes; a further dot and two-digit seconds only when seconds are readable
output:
9.00.42
